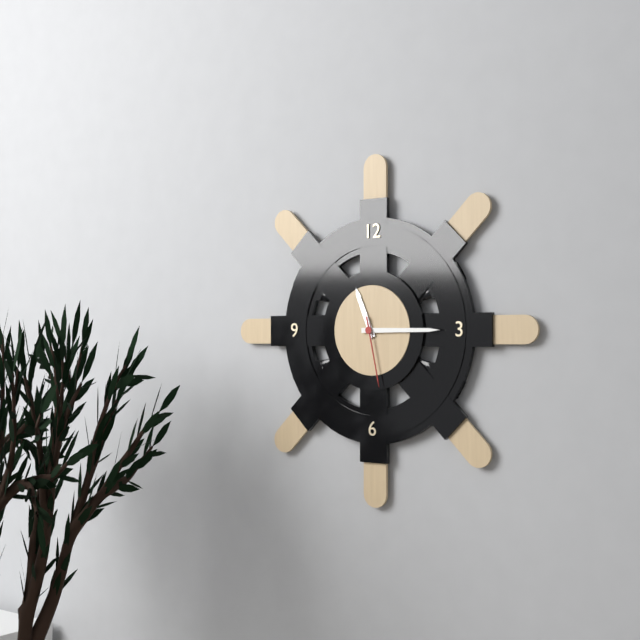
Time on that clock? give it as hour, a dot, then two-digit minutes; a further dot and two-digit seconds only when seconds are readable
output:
11.15.28
